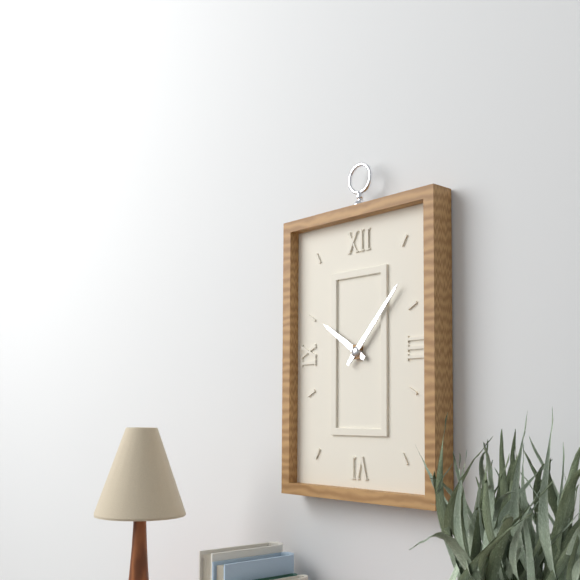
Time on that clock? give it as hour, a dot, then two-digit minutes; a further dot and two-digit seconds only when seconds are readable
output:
10.07
